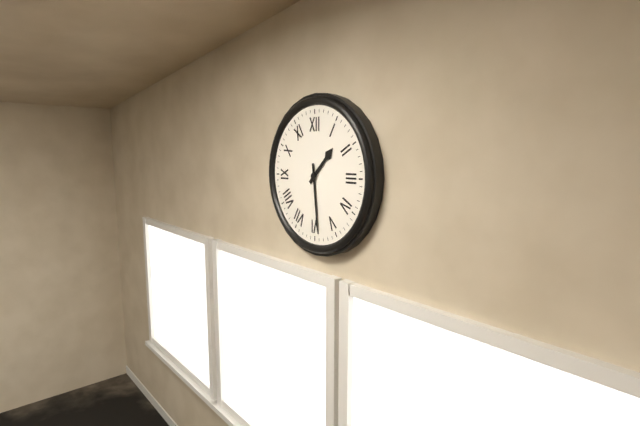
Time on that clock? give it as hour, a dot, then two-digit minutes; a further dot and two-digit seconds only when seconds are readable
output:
1.29
